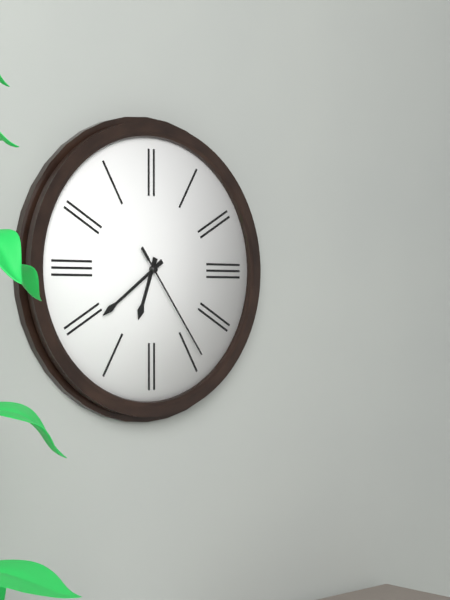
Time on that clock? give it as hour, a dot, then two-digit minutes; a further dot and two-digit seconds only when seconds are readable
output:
6.39.24
